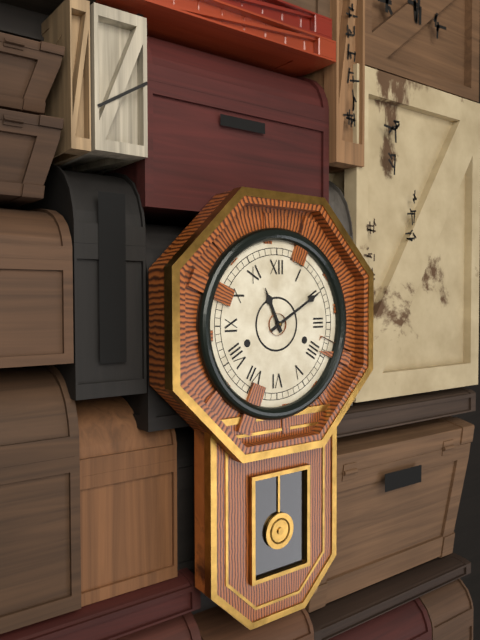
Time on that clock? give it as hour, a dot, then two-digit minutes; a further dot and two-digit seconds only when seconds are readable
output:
11.10
